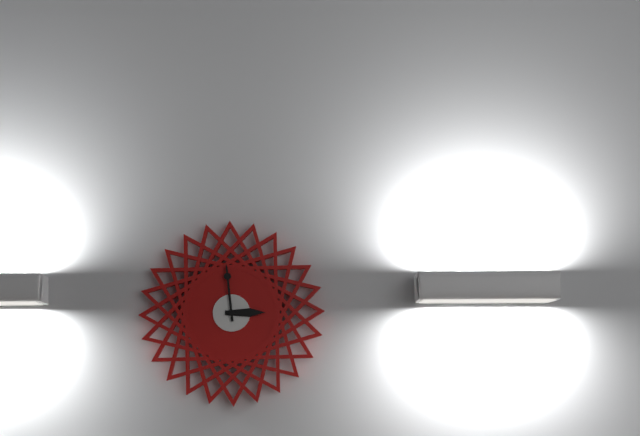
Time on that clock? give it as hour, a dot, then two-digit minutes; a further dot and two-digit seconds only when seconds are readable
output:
2.59
